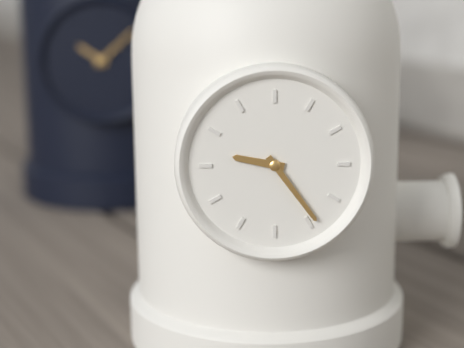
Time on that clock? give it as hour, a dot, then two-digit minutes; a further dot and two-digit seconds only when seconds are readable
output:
9.24
